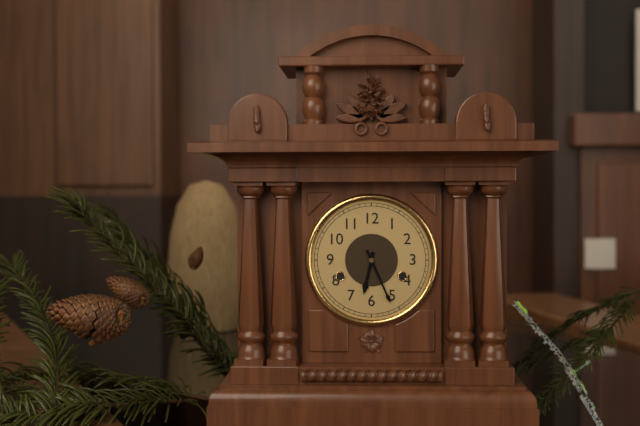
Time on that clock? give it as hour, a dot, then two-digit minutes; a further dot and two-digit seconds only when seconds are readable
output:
6.26
